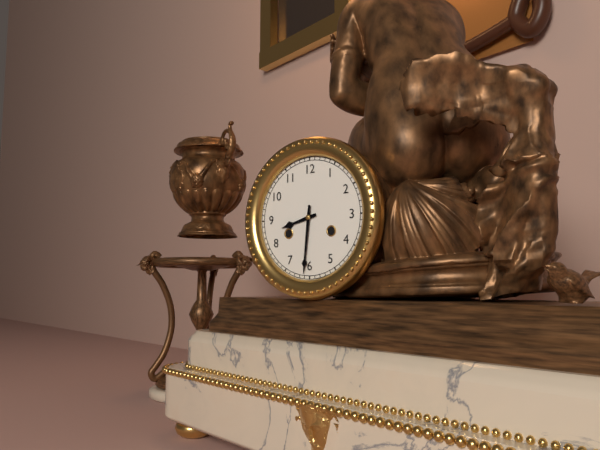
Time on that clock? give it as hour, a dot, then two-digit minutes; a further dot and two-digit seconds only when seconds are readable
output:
8.31
